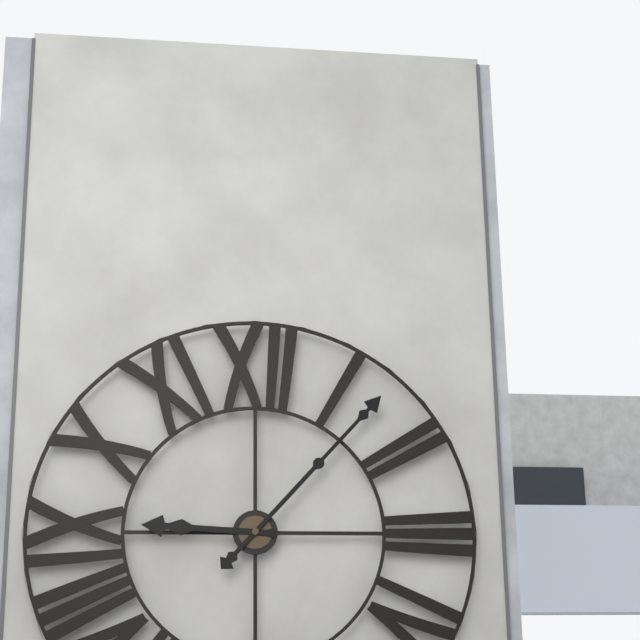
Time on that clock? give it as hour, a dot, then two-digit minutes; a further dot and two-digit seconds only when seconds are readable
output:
9.07
